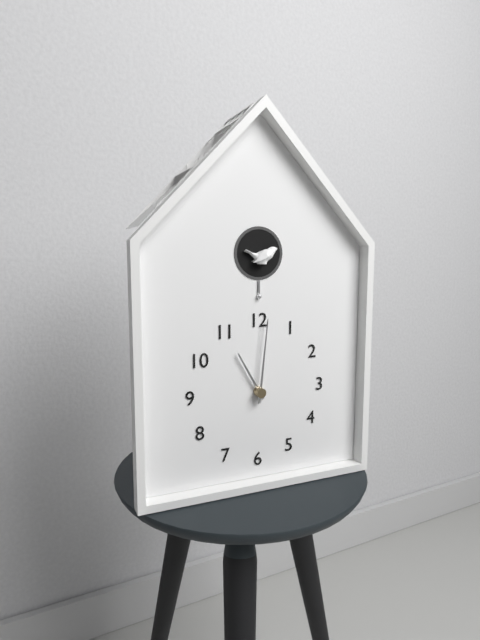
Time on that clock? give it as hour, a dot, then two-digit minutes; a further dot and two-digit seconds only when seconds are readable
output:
11.01
